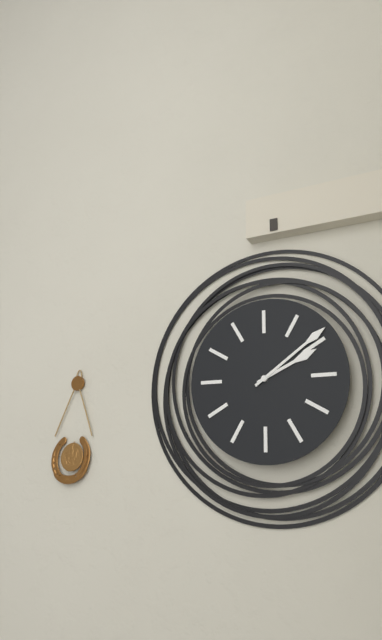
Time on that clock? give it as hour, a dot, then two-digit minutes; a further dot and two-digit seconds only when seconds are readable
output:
2.09
